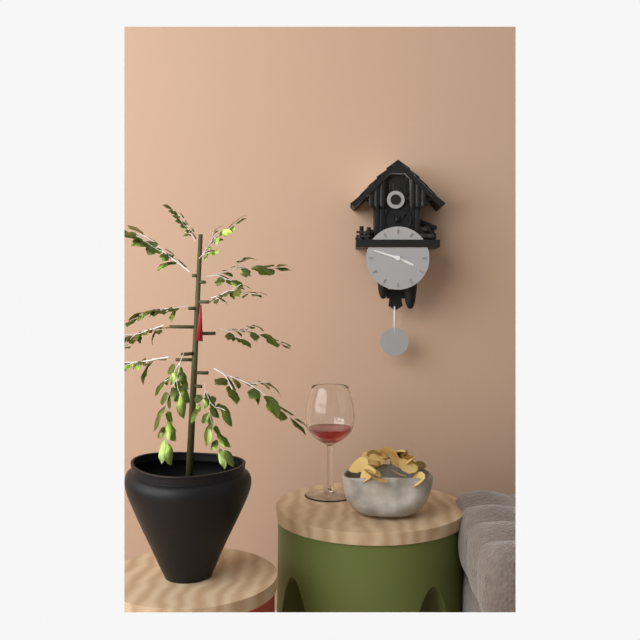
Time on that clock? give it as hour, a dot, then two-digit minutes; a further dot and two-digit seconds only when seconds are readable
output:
3.48
